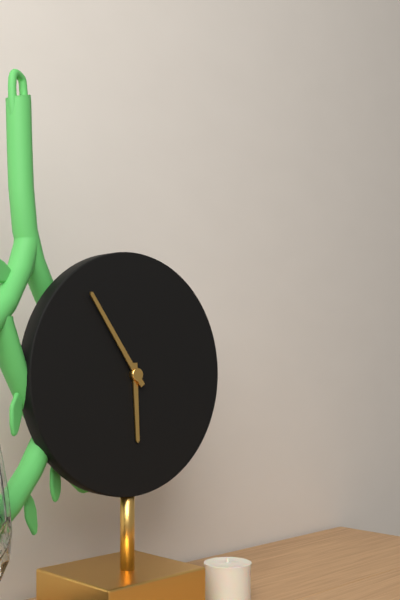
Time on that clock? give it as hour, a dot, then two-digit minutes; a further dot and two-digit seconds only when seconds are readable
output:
5.54
